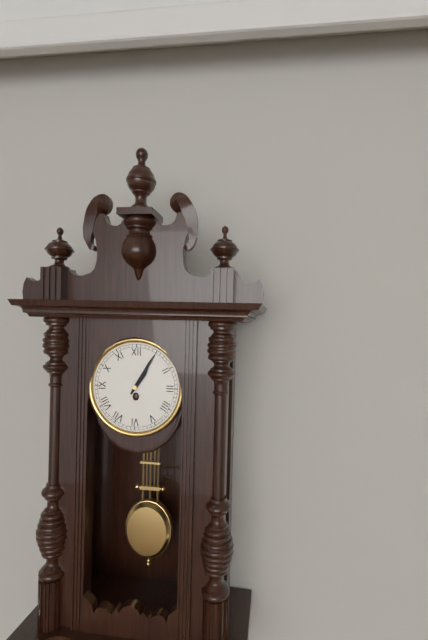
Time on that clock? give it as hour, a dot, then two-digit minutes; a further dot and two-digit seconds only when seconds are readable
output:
1.05
